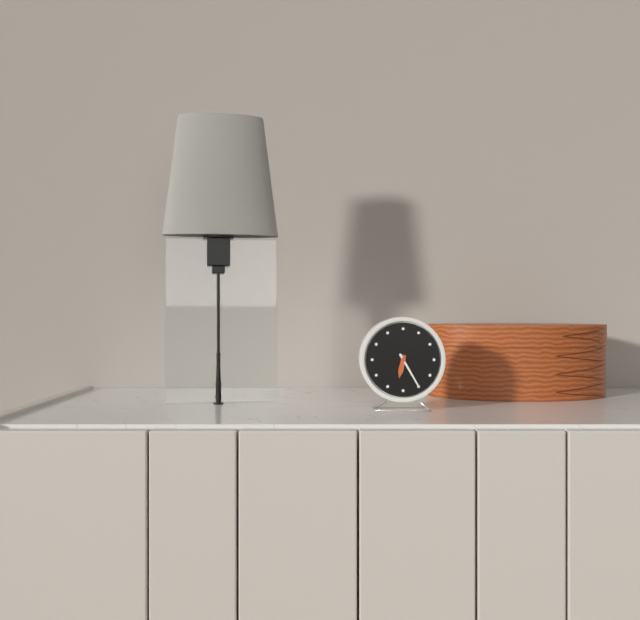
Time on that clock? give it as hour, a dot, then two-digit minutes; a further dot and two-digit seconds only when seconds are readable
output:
6.25
